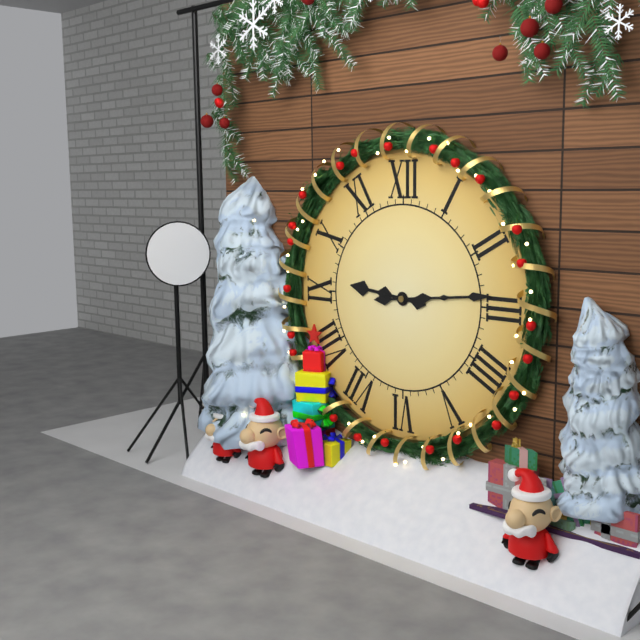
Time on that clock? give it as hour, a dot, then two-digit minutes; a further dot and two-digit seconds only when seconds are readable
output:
9.14
